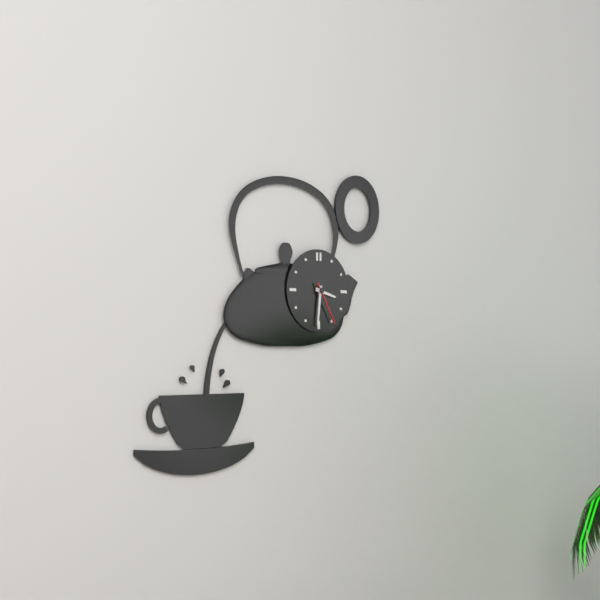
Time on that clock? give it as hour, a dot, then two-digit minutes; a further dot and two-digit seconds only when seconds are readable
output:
3.31
